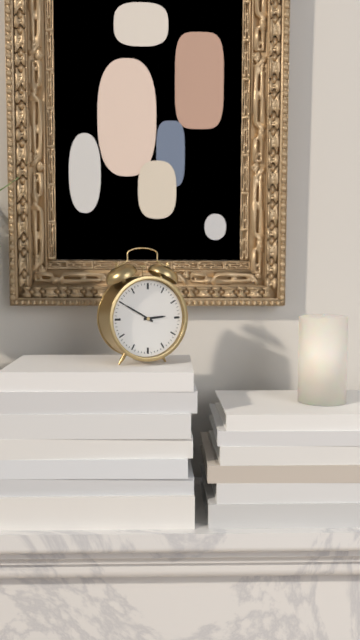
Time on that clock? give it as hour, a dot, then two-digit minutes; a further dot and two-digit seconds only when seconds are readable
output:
2.50
